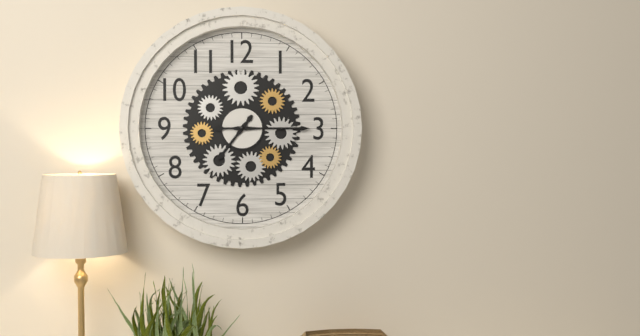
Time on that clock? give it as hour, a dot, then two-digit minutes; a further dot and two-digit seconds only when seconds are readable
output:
7.15
